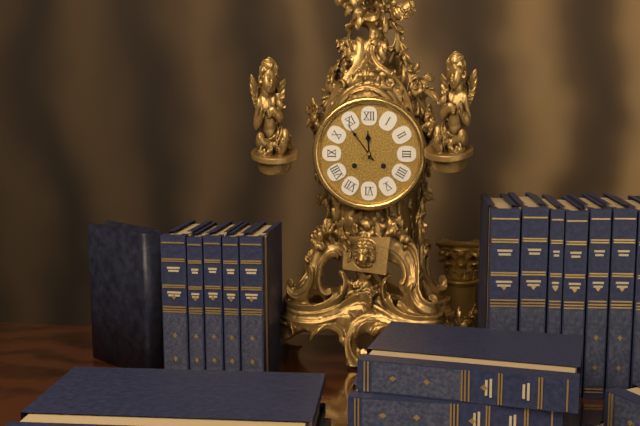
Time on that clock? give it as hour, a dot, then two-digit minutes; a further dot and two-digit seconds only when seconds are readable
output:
11.54
